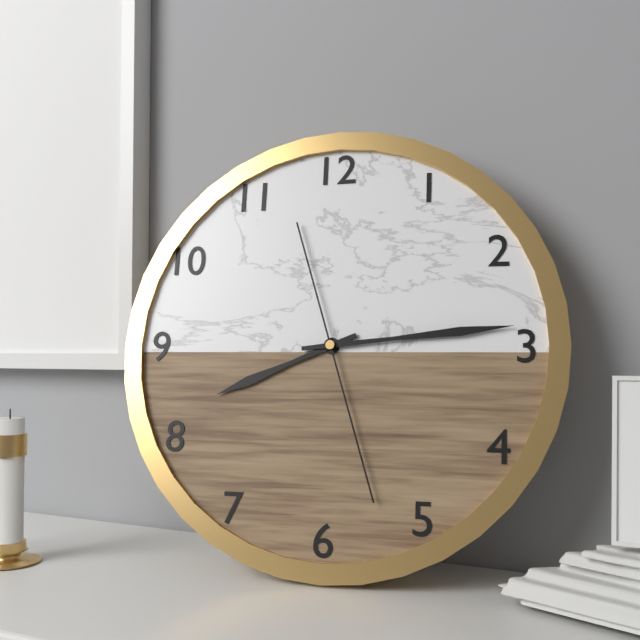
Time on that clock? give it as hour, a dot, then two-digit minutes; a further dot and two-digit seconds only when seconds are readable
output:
8.14.27
